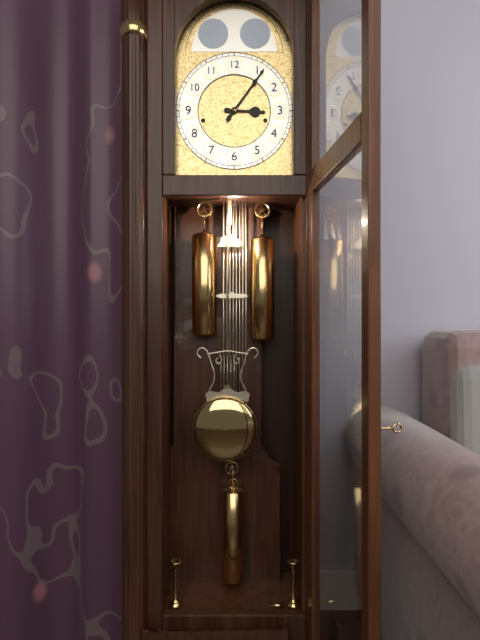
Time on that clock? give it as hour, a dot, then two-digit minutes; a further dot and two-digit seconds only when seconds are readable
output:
3.06
